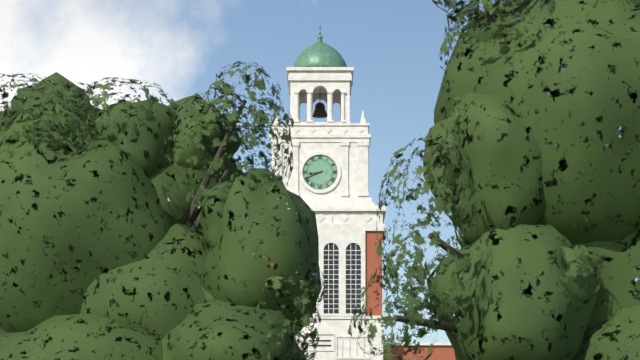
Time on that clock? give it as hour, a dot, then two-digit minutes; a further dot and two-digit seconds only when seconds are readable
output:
8.41
